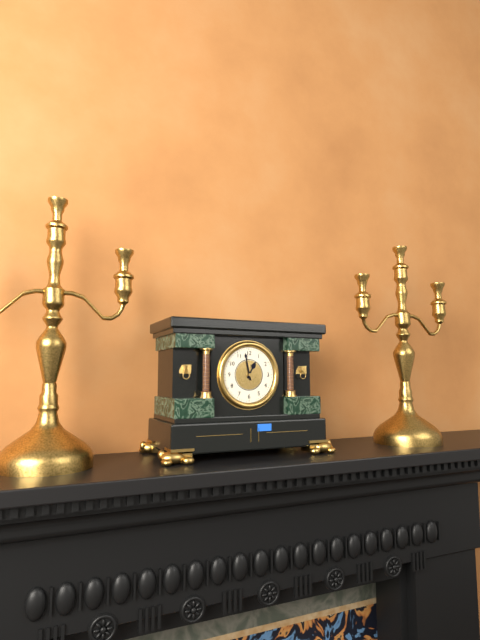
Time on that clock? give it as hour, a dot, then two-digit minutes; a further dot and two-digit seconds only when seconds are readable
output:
12.58
